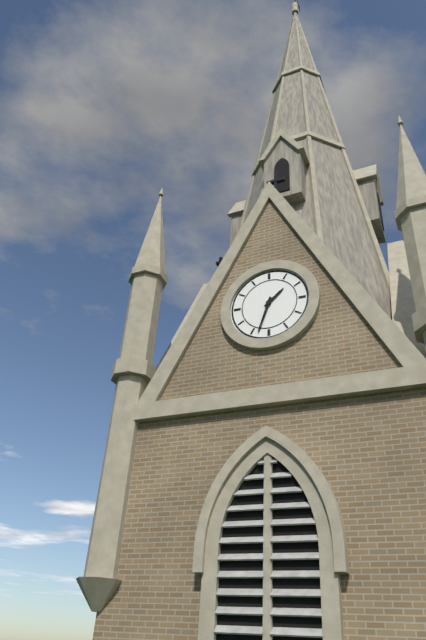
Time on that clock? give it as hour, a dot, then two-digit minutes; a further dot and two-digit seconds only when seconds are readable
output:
1.33
